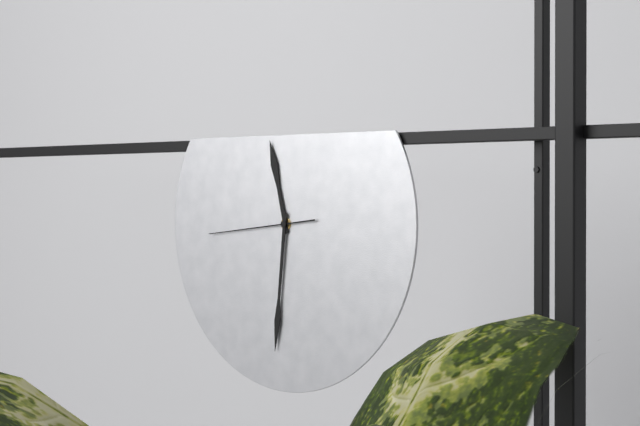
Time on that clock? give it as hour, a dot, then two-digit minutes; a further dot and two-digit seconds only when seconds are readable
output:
11.31.44
